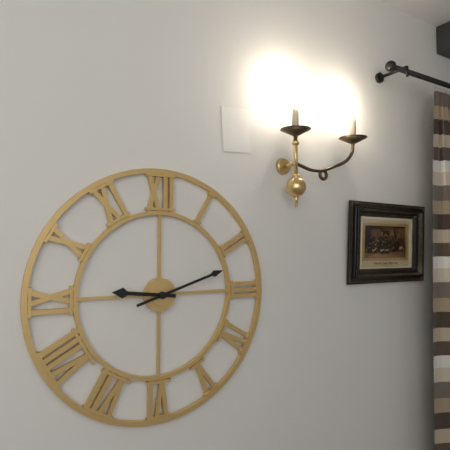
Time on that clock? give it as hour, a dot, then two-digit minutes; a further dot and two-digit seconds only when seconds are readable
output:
9.12
